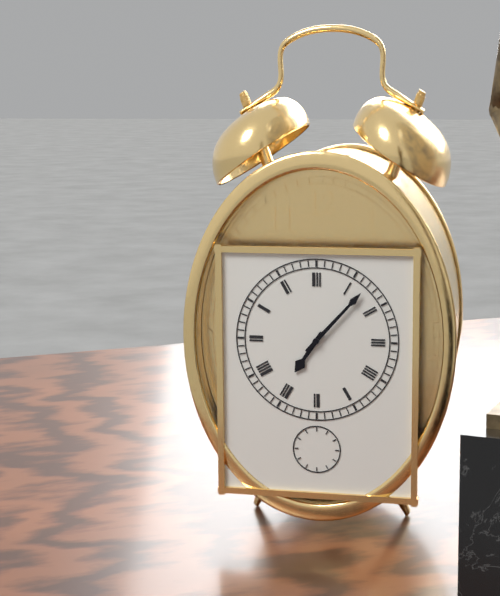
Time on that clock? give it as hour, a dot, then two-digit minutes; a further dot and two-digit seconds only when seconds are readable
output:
7.07
